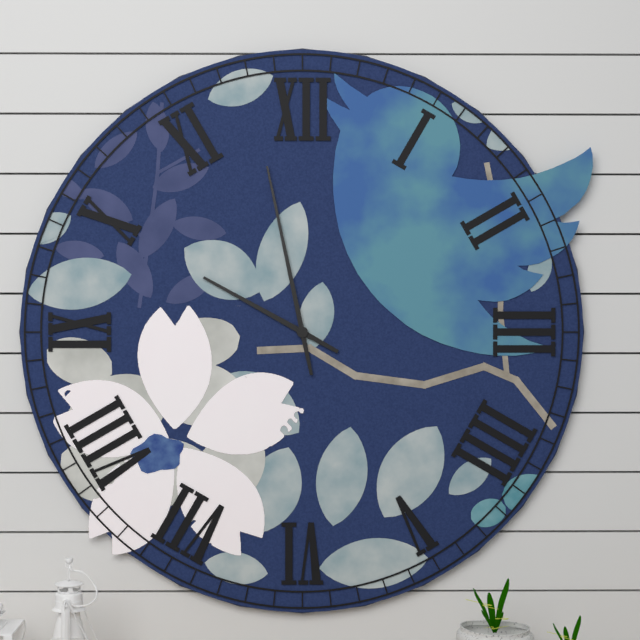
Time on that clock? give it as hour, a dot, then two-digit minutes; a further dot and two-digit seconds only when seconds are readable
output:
9.58
